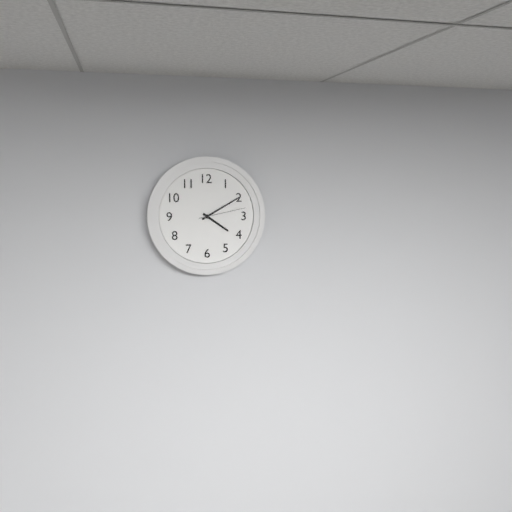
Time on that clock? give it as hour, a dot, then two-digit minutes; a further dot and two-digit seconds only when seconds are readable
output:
4.10
